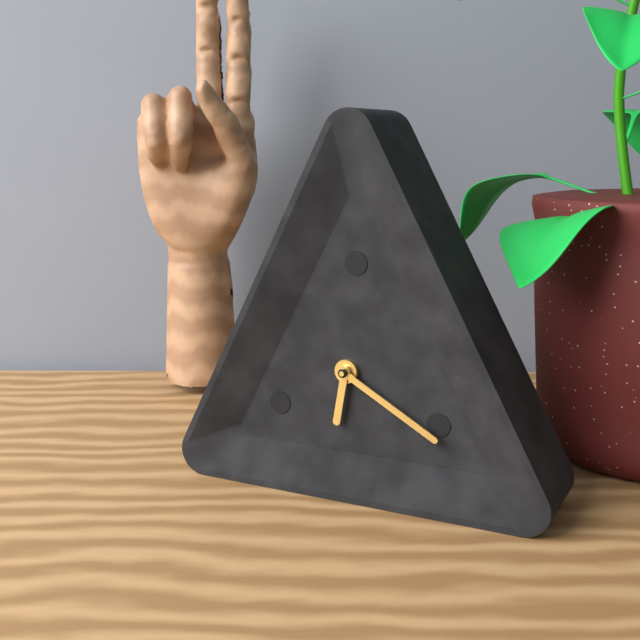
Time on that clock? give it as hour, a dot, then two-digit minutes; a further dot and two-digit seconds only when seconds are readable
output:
6.20
